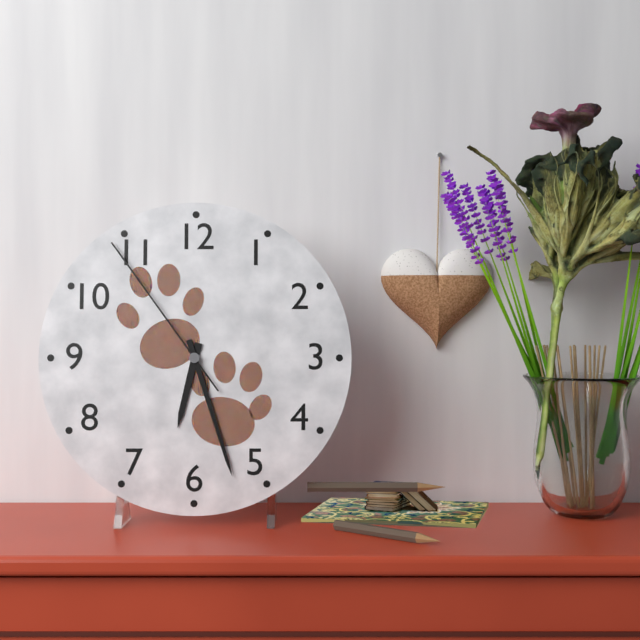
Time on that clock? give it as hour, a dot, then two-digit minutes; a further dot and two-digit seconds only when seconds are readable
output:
6.27.54
